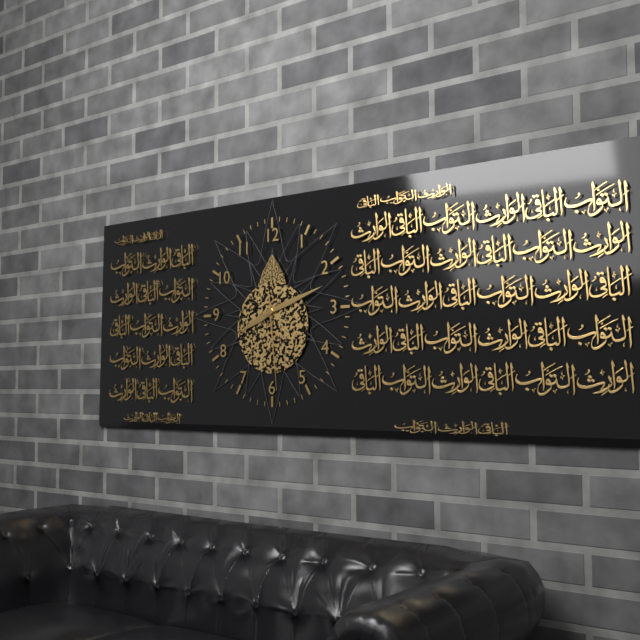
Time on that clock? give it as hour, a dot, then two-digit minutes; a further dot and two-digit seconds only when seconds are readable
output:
8.12.29
